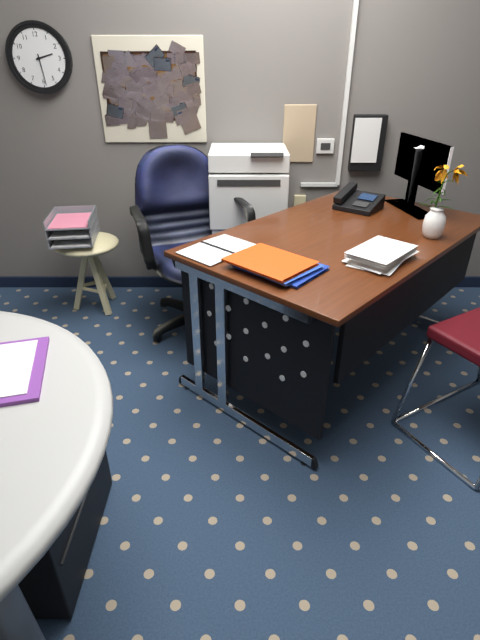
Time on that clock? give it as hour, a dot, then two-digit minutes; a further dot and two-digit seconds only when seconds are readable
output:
2.29
